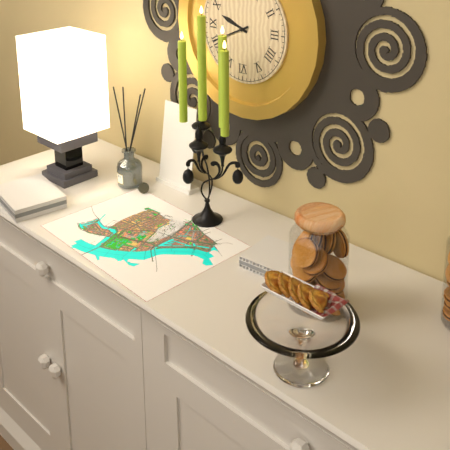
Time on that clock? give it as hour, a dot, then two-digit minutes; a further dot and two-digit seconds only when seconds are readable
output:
9.41
